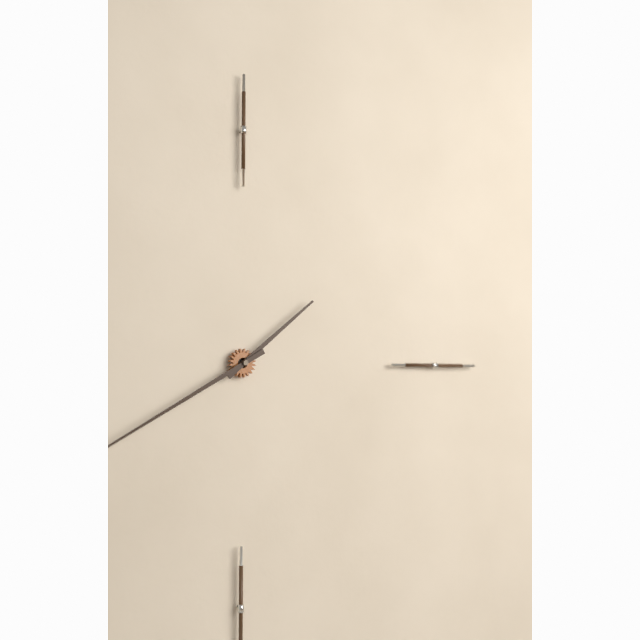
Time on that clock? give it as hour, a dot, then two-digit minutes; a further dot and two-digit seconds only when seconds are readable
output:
1.40
